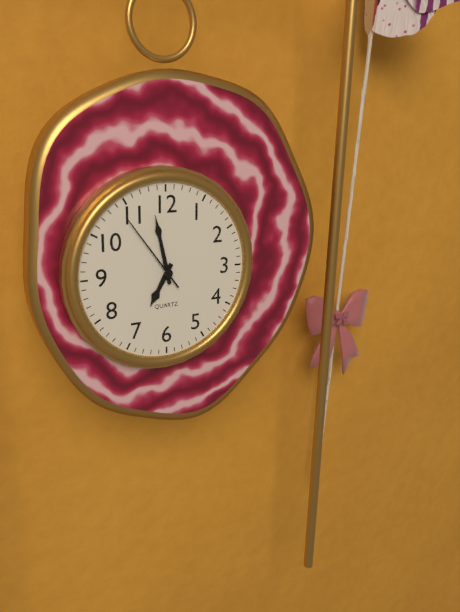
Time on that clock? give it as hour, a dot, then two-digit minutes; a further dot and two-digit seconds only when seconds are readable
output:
6.58.54
